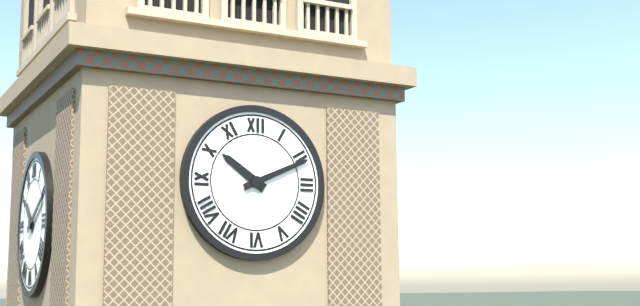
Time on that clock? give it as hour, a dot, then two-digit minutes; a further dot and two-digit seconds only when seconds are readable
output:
10.11
